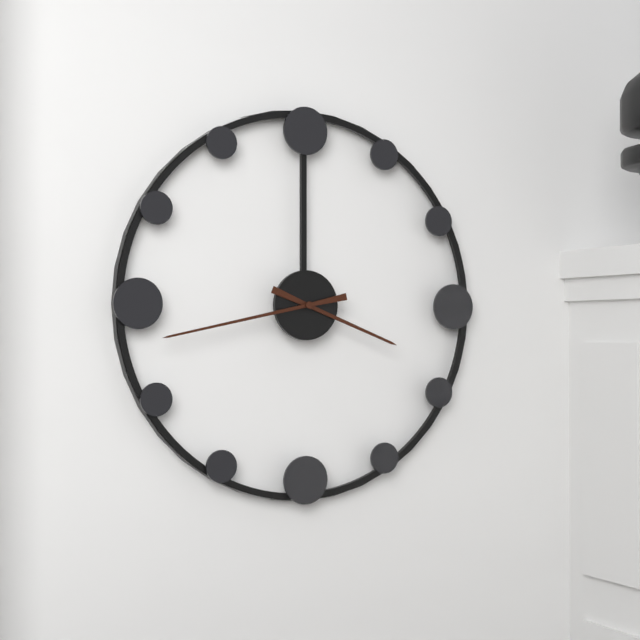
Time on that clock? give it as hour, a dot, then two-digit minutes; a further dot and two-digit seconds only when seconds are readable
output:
3.43
